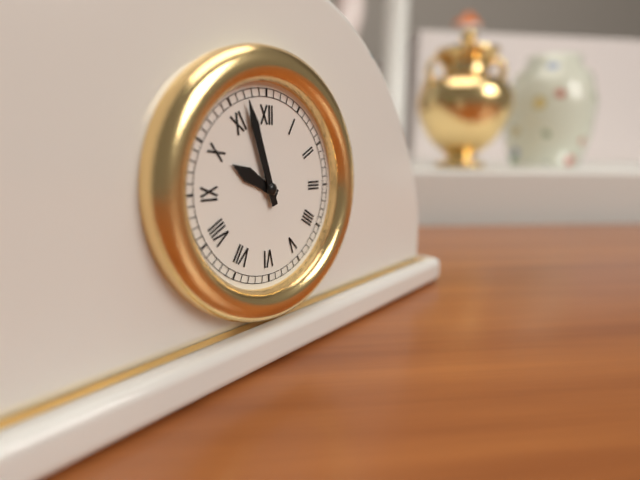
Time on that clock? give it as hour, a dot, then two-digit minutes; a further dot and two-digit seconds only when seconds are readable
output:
9.57
